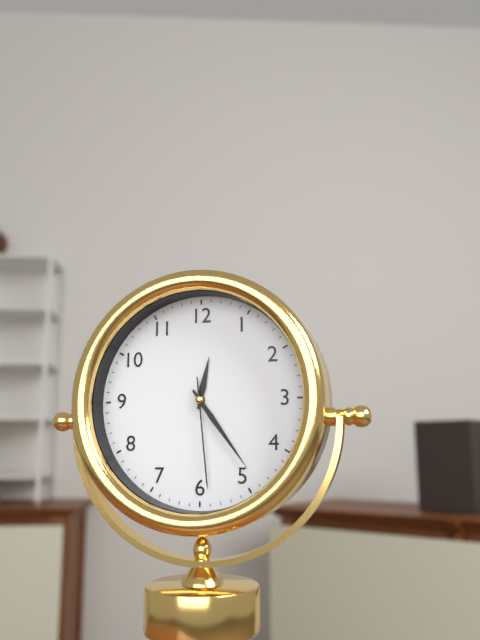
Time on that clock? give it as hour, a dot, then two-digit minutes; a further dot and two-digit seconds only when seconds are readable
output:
12.24.29
